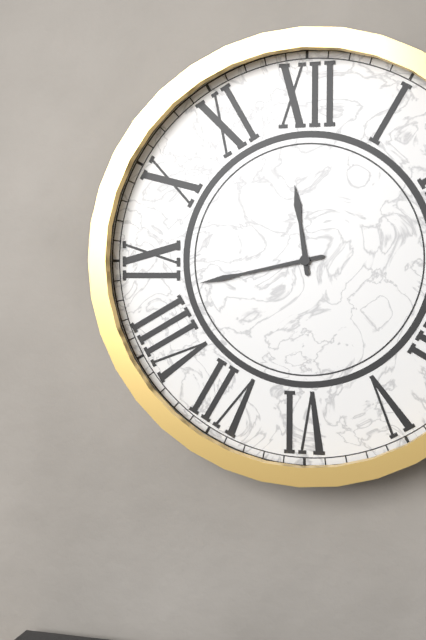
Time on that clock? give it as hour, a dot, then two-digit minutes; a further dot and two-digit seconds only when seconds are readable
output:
11.43
